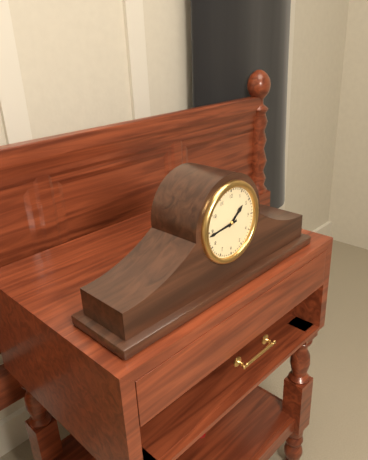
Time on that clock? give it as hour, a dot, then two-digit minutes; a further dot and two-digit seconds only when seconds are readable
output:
1.44
